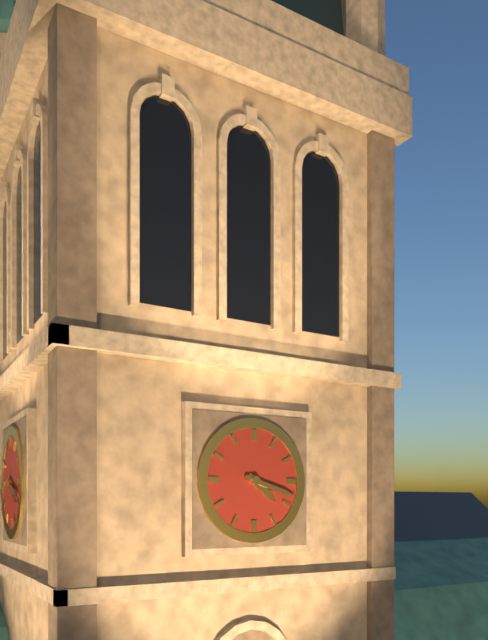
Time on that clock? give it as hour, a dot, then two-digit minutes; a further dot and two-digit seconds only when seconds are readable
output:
4.18
